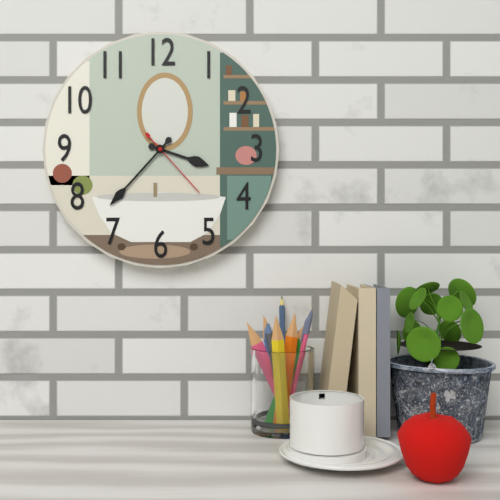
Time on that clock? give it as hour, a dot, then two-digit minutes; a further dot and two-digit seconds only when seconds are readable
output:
3.37.23
